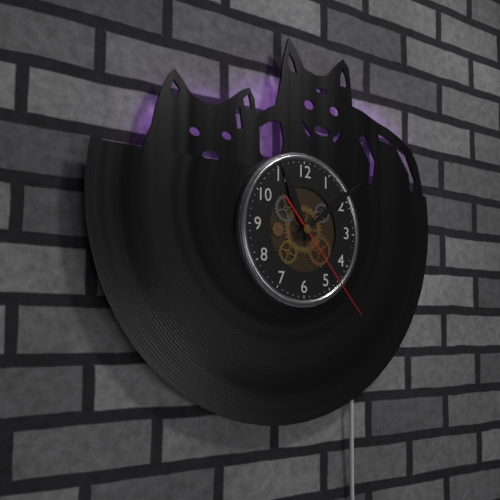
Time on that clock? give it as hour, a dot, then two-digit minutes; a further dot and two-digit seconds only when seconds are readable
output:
11.09.23
